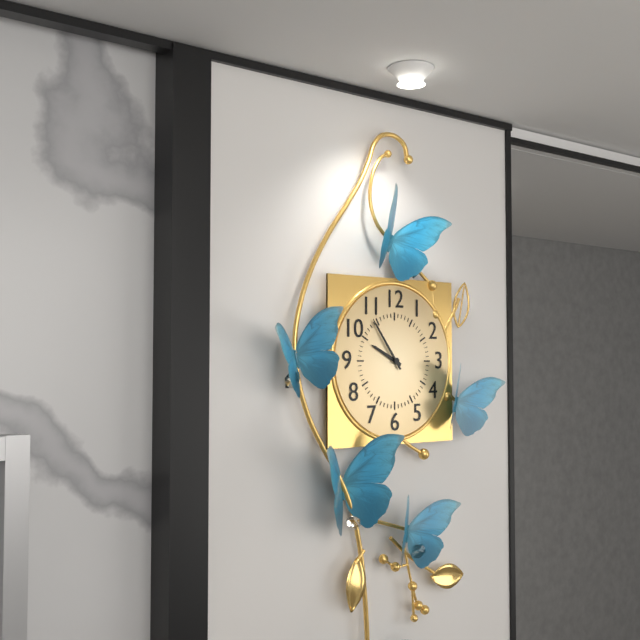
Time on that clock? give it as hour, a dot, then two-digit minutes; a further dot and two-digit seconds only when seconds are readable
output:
9.54
